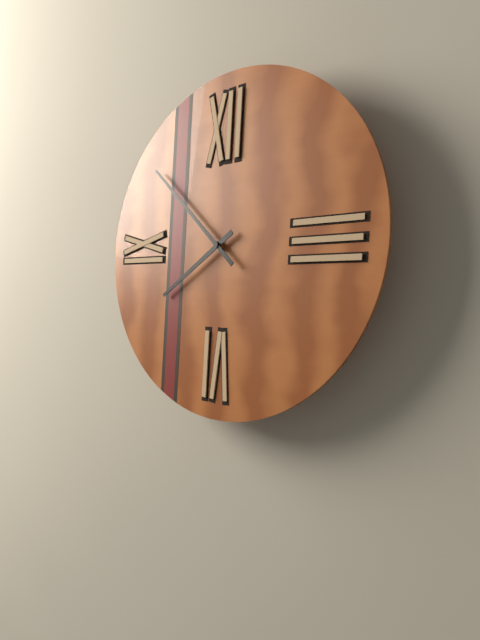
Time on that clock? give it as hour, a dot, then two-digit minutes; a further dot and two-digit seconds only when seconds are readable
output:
7.52
